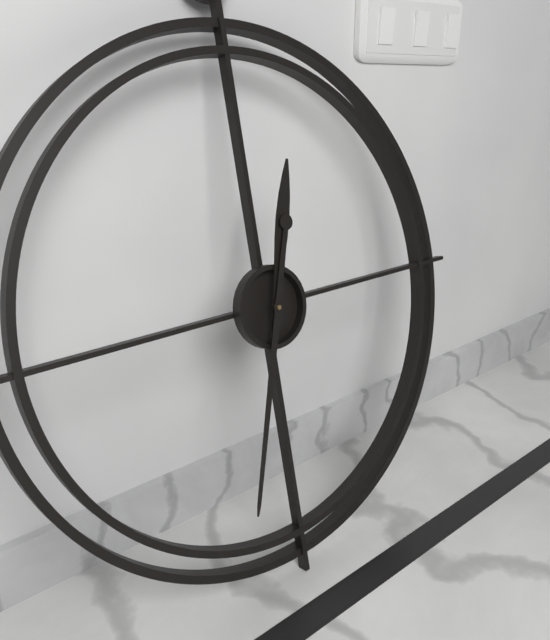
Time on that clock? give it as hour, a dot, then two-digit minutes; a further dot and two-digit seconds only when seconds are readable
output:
12.33
